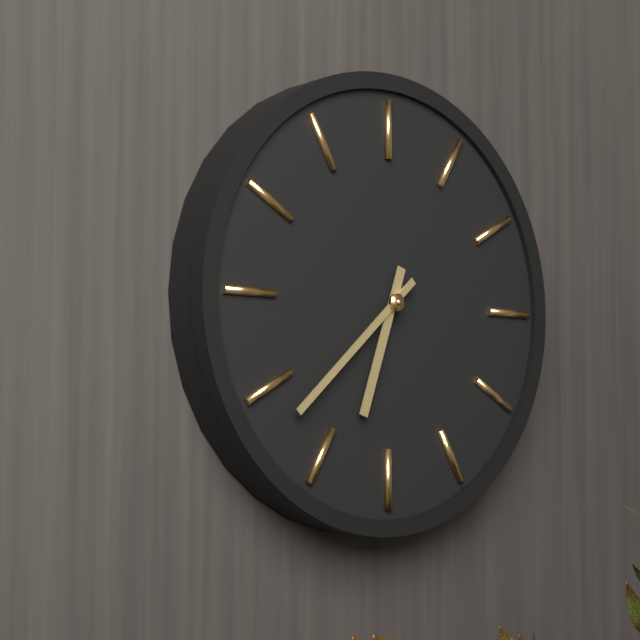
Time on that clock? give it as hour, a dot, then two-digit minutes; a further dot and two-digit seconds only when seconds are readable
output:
6.38
